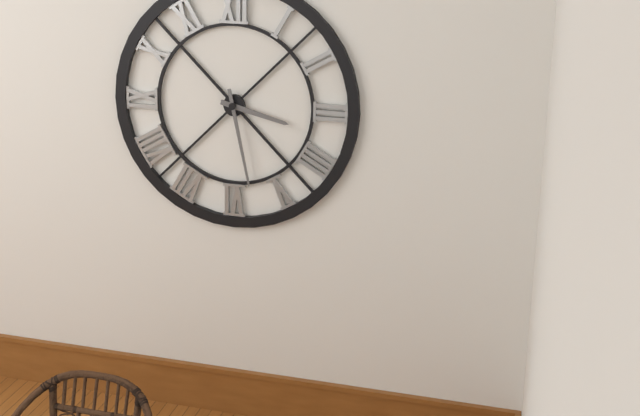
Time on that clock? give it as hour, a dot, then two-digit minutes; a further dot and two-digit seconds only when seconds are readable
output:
3.28
